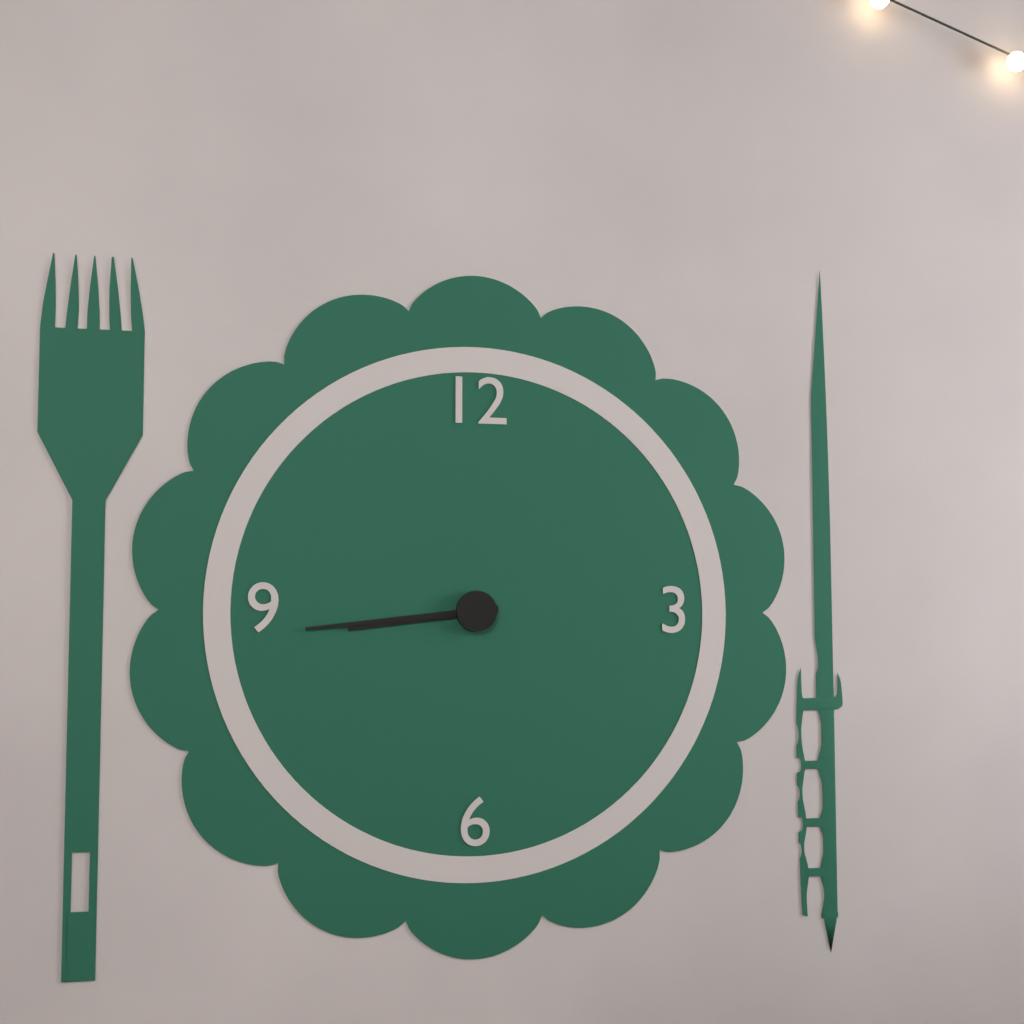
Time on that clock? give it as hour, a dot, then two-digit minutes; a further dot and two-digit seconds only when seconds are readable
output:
8.44
